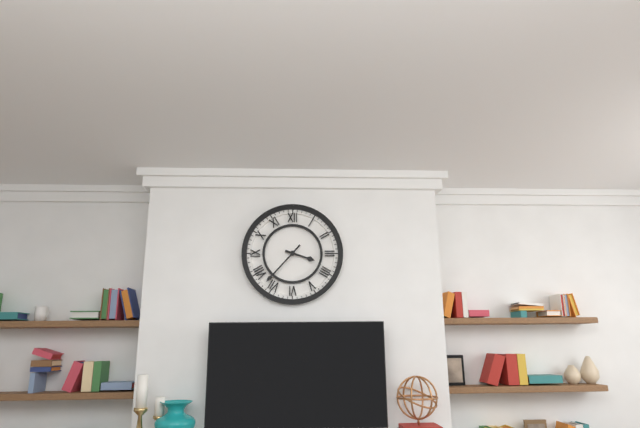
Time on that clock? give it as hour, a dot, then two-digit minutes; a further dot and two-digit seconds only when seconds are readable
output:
3.37
